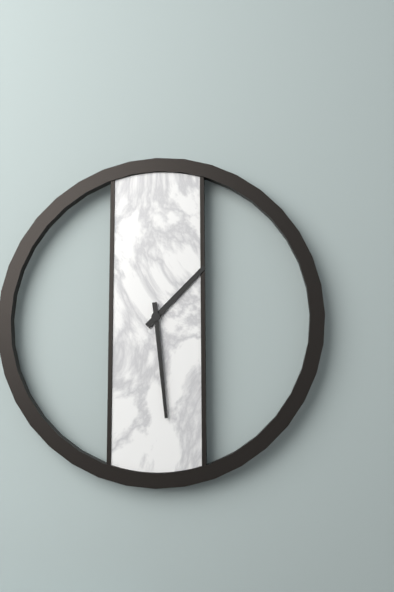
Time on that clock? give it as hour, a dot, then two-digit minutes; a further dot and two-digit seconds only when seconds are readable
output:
1.29
